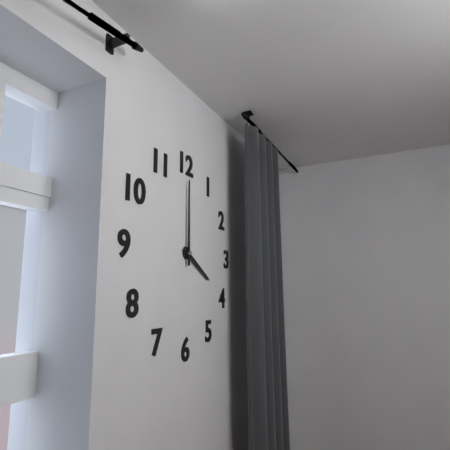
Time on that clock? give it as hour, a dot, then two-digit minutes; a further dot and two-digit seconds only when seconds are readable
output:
4.00
